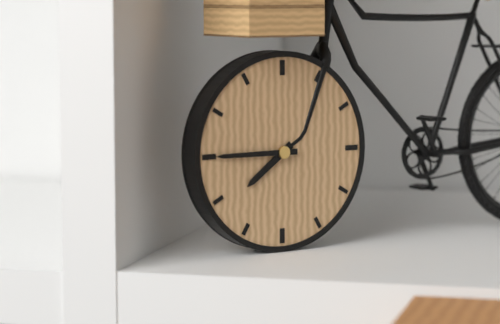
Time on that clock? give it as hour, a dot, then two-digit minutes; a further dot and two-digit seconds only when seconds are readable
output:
7.45
